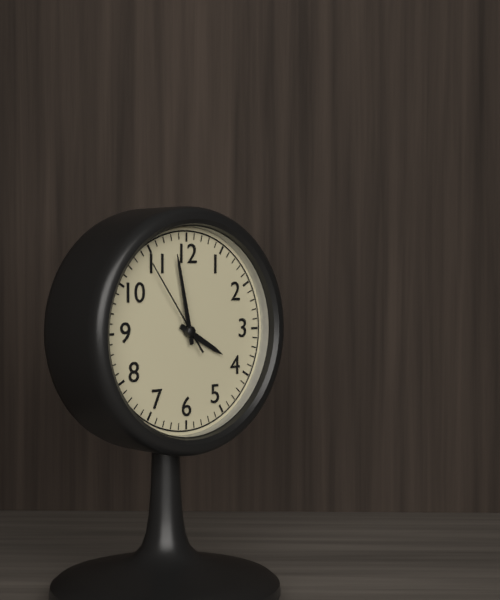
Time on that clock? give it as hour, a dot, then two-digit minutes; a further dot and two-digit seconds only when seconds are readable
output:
3.58.54
